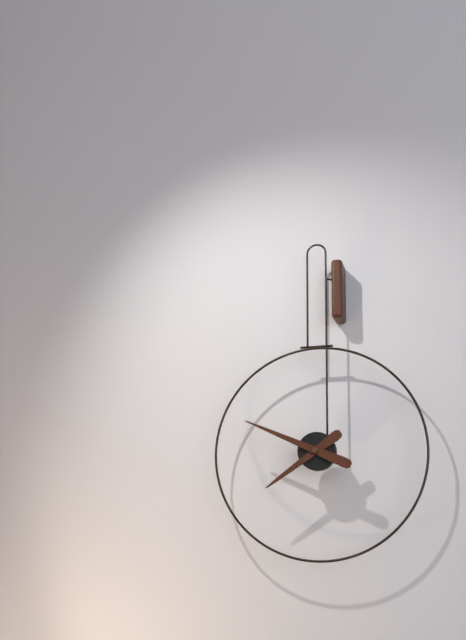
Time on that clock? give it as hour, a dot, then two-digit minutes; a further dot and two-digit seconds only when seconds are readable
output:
7.49
